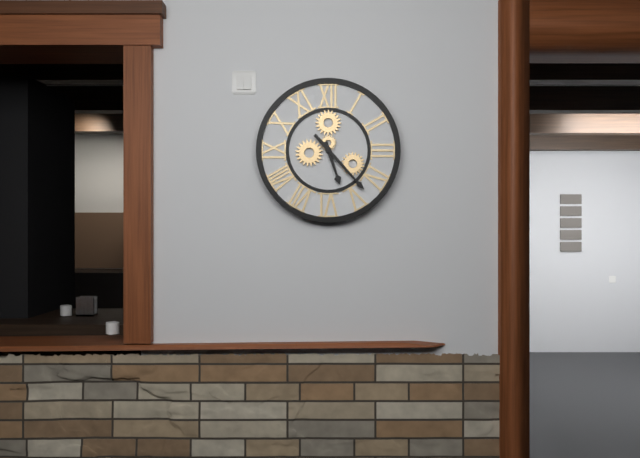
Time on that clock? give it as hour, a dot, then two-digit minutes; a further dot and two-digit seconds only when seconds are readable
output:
5.23
